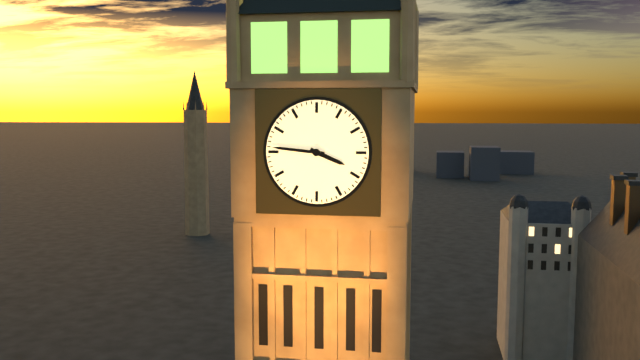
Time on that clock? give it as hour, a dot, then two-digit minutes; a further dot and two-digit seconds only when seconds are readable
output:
3.46
